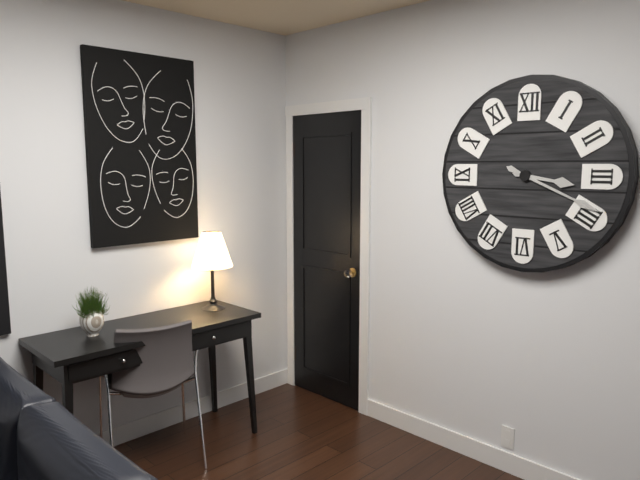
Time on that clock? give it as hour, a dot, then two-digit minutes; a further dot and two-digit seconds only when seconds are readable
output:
3.19
